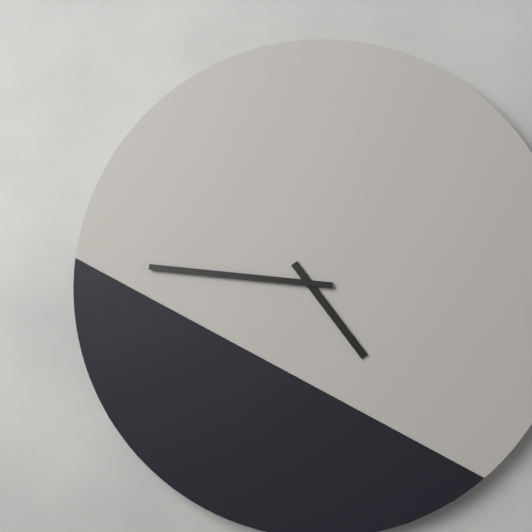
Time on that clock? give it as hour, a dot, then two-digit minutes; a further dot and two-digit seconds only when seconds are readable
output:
4.46
